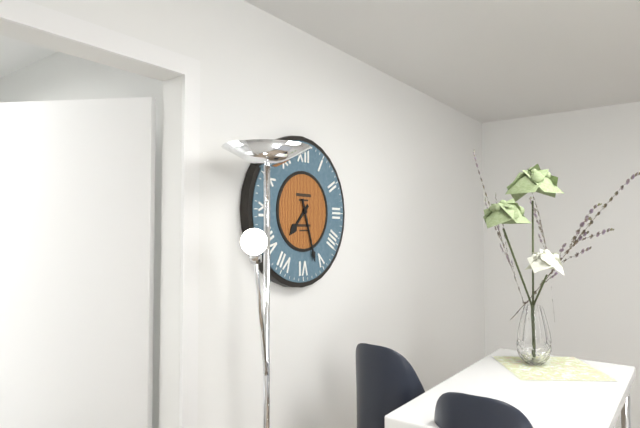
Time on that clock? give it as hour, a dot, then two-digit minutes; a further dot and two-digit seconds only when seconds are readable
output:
7.27
